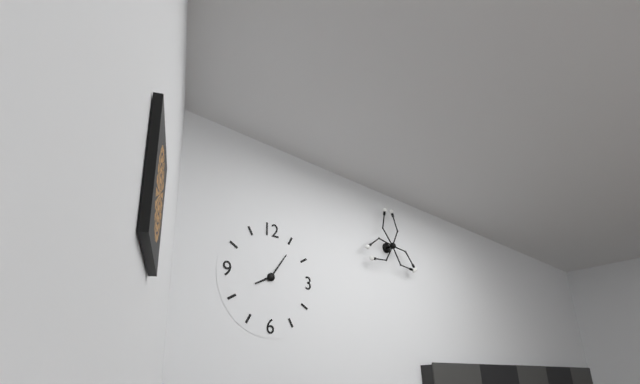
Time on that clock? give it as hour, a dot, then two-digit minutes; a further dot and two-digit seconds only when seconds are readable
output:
8.06
